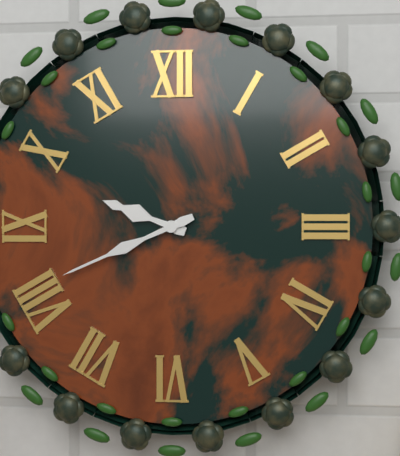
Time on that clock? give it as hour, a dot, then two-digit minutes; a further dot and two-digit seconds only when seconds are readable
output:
9.41
